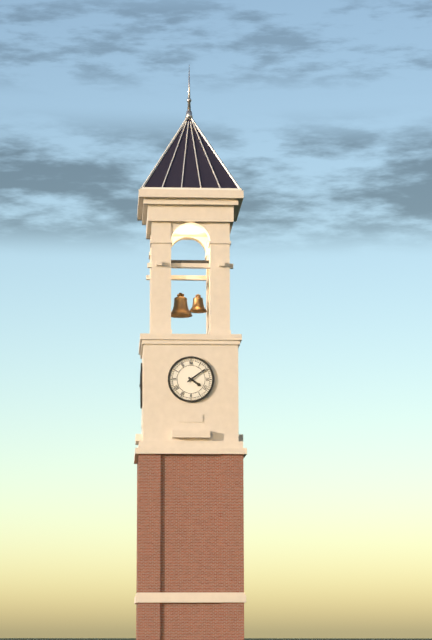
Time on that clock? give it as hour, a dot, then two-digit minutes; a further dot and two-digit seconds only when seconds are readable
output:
4.09
